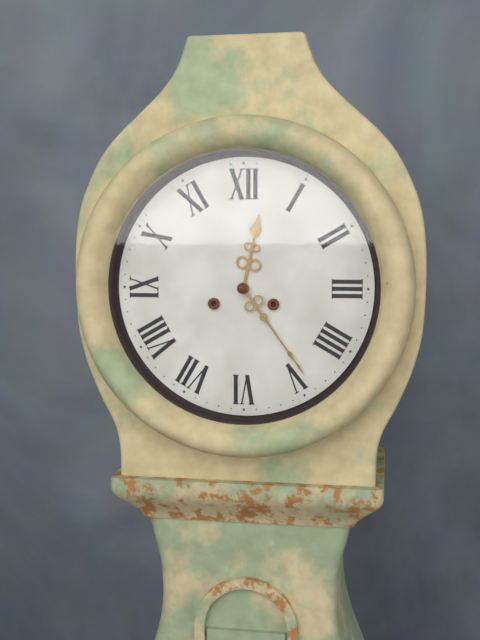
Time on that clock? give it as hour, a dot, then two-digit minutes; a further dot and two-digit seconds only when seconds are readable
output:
12.24
